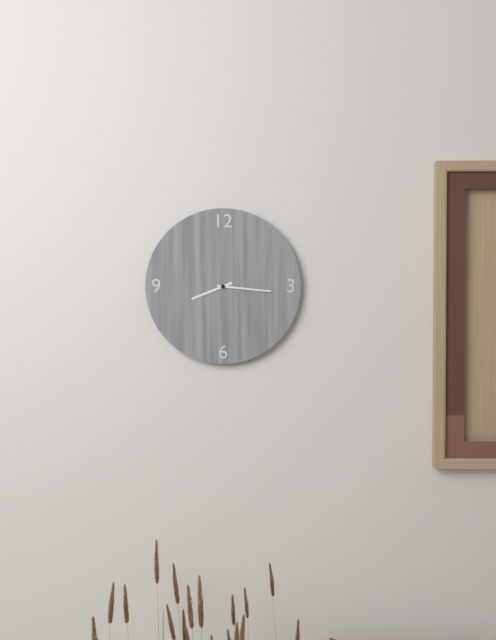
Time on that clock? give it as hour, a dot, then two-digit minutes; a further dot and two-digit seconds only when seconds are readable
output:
8.16
